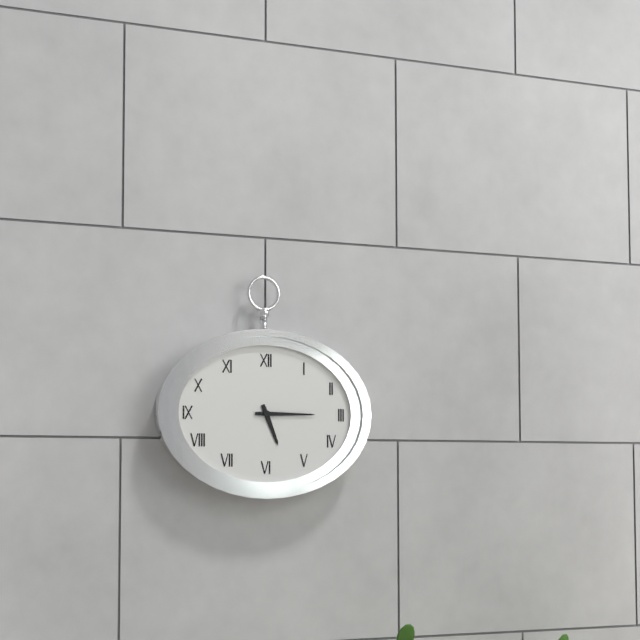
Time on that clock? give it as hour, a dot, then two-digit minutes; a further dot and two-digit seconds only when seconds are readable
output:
5.15
